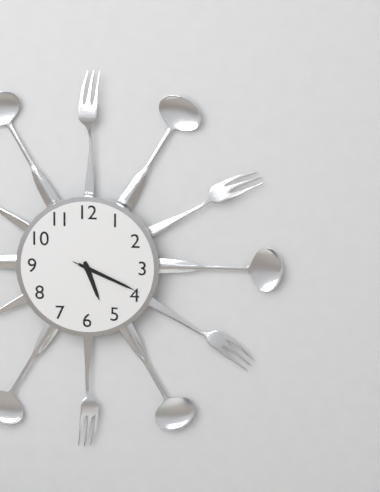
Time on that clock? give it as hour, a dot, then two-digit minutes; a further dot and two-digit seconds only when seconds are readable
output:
5.19.19
